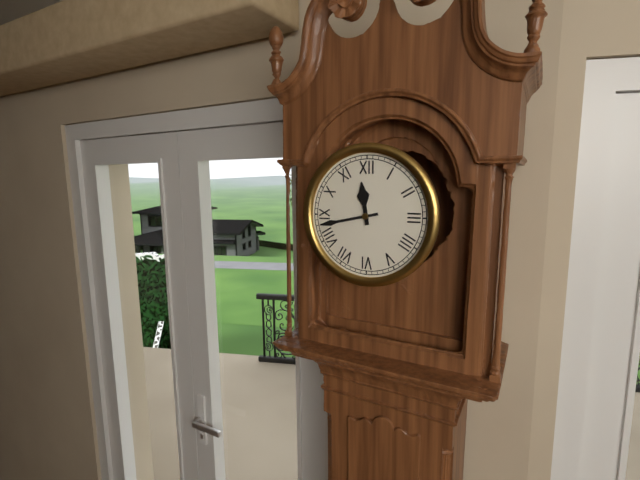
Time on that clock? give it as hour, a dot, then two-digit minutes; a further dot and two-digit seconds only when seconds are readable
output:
11.43
